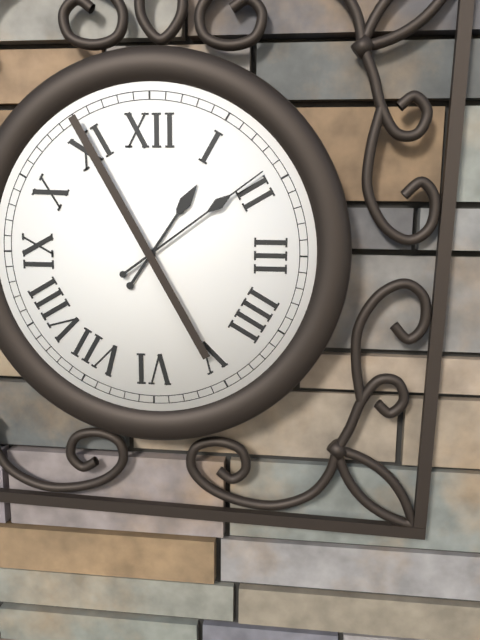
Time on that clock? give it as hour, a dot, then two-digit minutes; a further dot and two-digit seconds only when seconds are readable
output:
1.09
